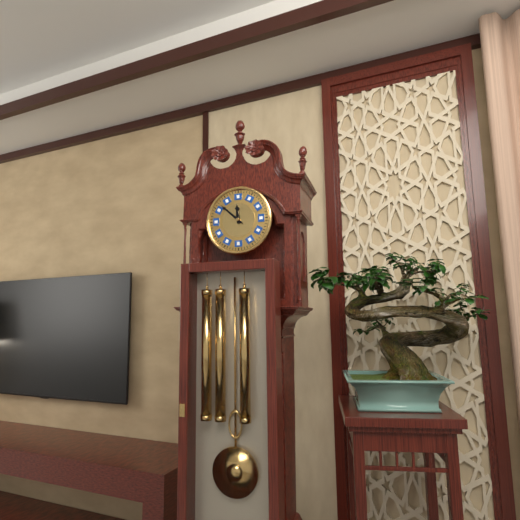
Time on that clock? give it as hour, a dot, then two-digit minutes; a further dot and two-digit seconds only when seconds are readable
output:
11.52
